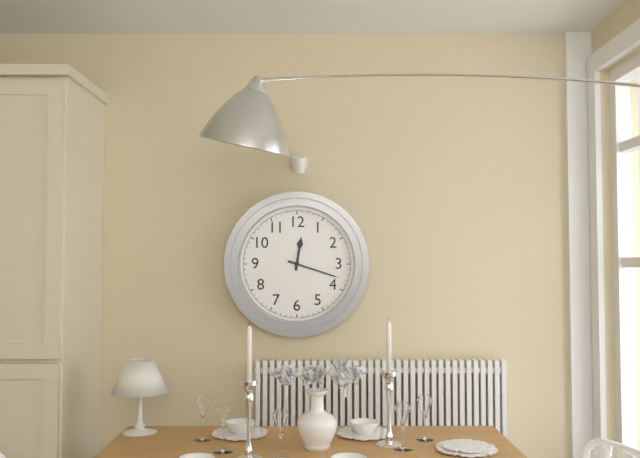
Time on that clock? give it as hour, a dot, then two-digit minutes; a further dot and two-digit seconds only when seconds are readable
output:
12.18
